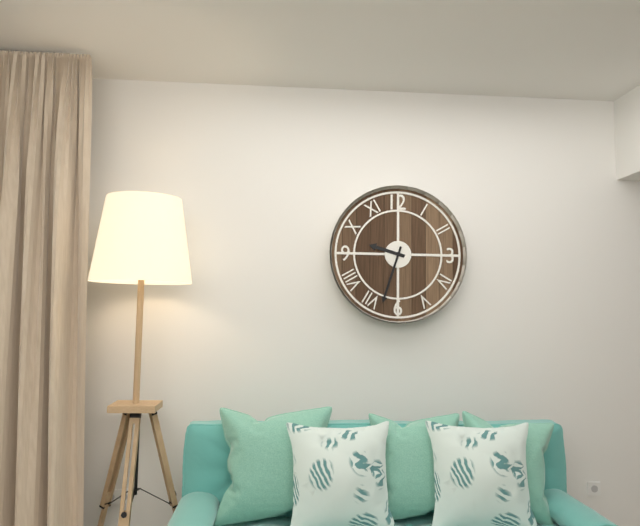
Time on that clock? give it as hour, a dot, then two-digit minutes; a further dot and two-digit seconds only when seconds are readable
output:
9.33
